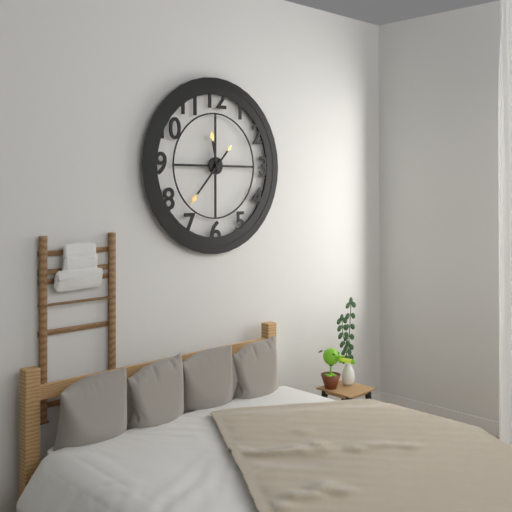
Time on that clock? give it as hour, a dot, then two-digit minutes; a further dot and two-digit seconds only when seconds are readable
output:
11.37
